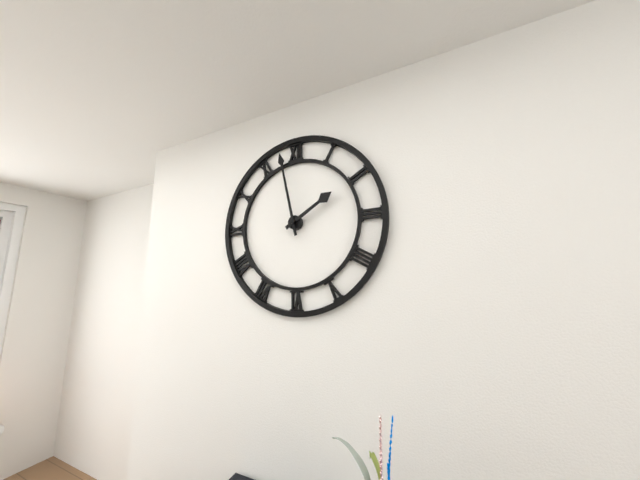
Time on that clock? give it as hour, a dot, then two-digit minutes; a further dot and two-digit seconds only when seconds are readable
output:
1.58
